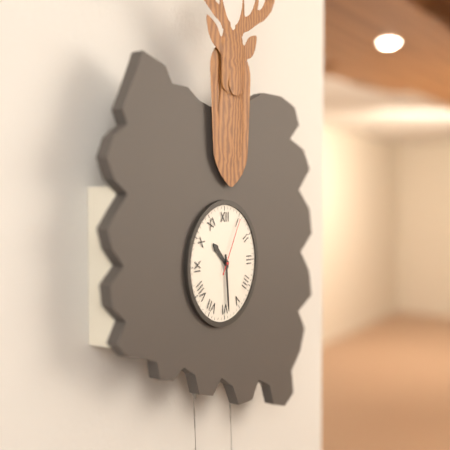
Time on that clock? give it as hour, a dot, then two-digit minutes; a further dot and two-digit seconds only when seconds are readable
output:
10.29.05
